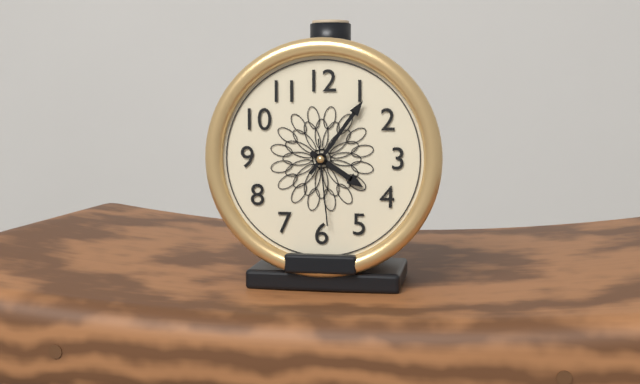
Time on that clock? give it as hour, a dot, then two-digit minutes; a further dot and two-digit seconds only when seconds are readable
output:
4.06.29
